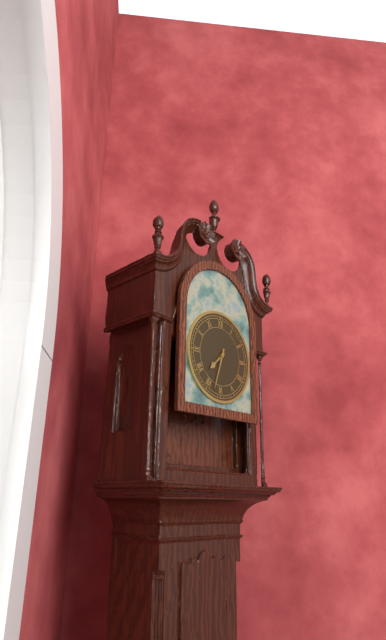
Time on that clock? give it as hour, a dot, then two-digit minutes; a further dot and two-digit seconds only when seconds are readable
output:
7.33
